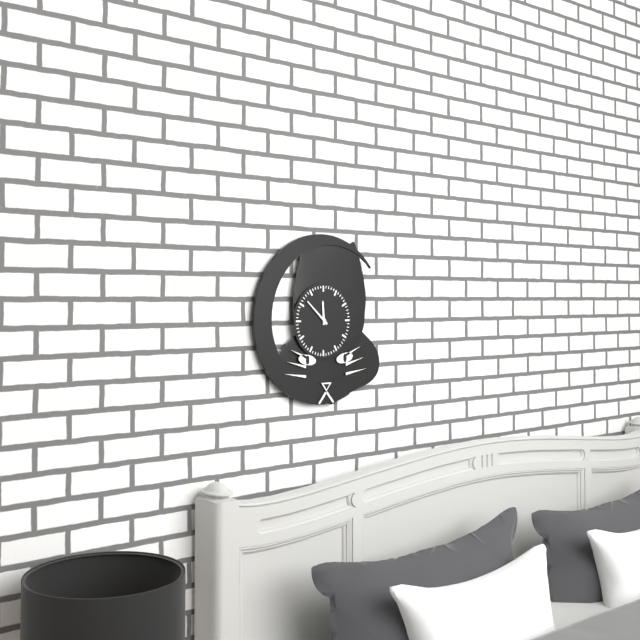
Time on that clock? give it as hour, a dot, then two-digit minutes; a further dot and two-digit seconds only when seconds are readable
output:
11.52
